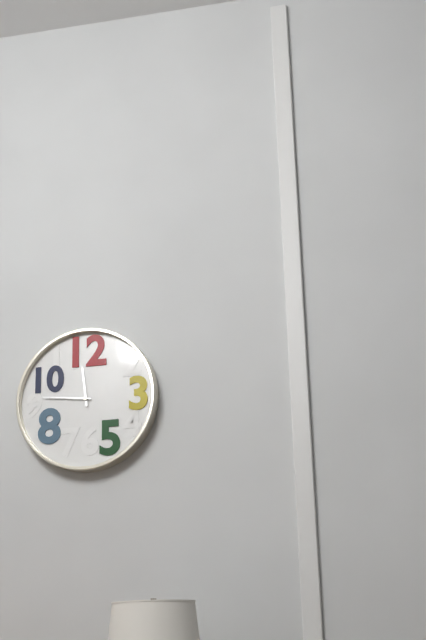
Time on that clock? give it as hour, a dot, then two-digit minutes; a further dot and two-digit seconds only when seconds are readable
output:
11.46
